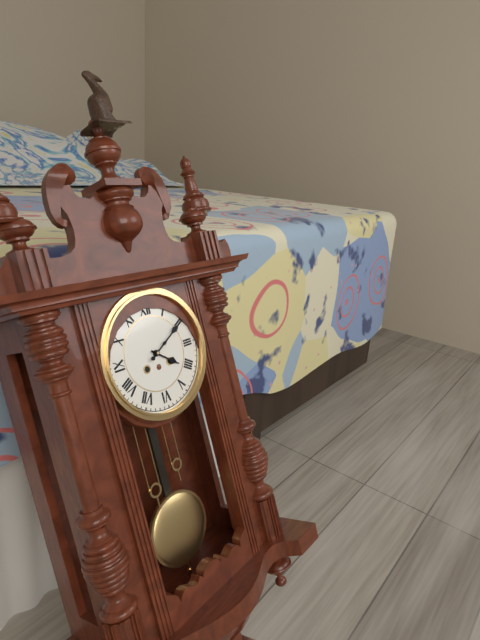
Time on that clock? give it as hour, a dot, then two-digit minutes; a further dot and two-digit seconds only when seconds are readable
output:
4.10
